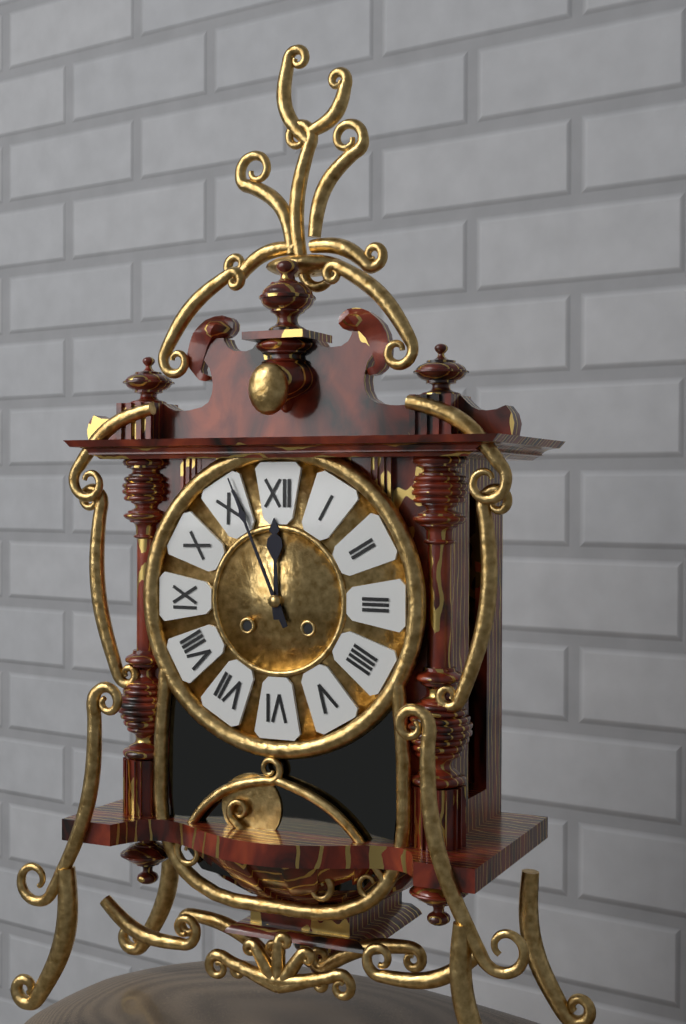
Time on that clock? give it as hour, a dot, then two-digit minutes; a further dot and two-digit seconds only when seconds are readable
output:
11.56
